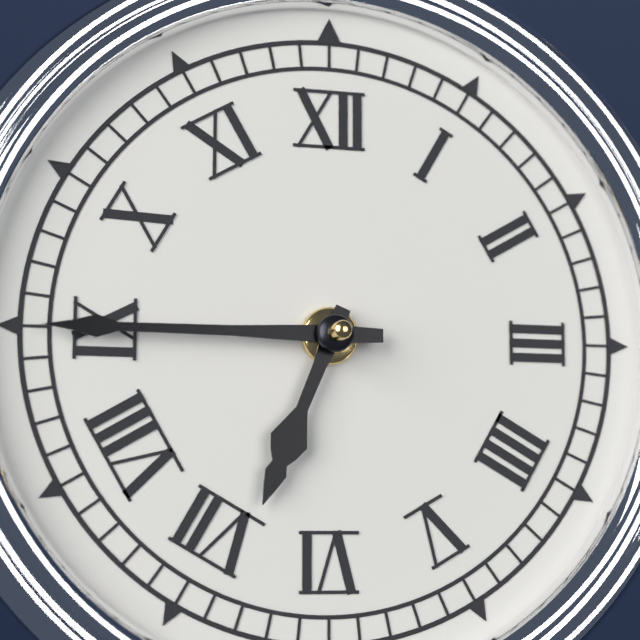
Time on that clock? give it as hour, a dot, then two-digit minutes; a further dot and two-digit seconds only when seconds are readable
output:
6.45
